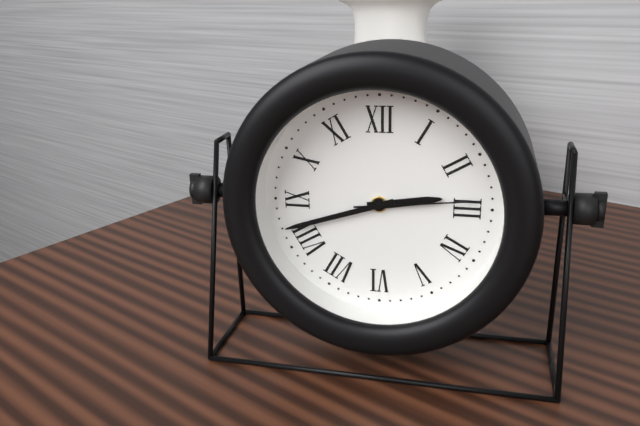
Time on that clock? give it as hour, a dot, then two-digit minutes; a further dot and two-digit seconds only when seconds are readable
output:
2.42.14
